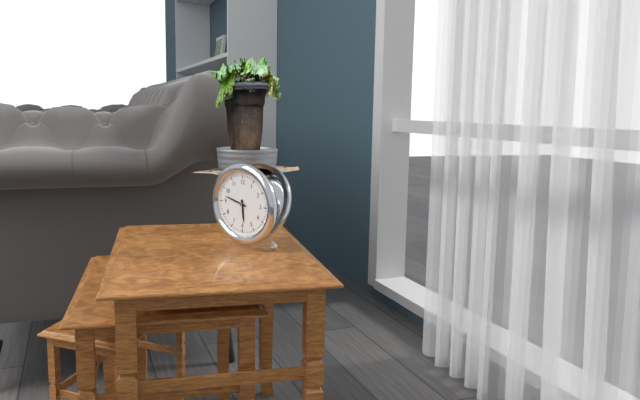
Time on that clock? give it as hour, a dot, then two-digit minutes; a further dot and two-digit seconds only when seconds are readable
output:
5.47
